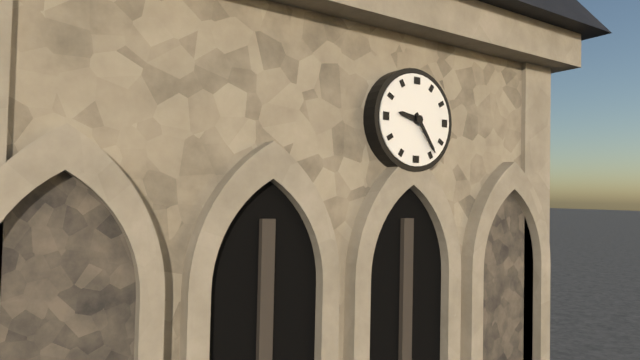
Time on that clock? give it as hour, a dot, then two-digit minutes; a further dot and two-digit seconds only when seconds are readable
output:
9.24
